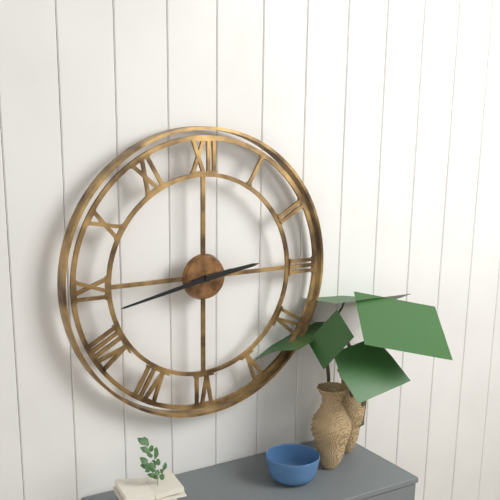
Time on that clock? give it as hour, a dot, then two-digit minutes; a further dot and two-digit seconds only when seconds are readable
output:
2.43
